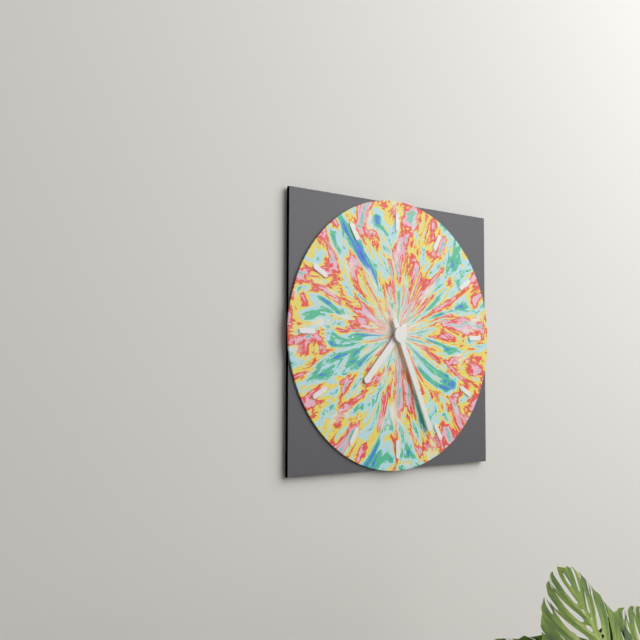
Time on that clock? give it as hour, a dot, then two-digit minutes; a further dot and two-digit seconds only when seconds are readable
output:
7.26
